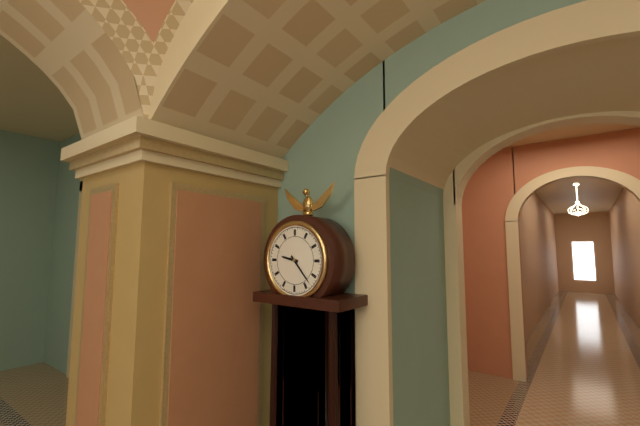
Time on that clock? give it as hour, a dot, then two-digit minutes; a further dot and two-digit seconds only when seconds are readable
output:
9.23
